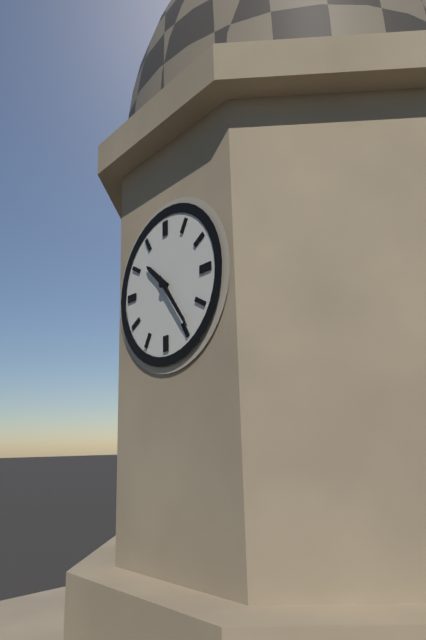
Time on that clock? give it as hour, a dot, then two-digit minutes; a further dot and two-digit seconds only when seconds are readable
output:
10.24
